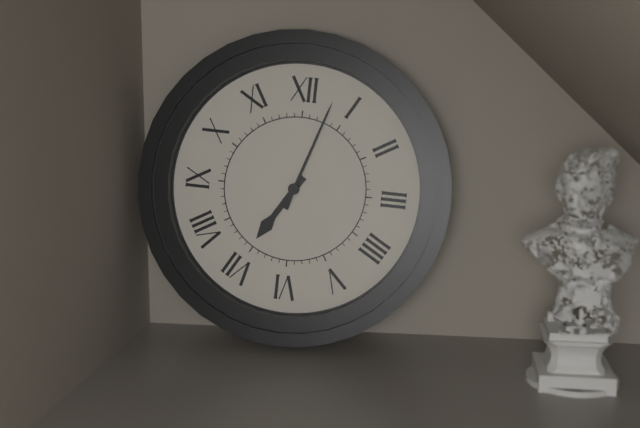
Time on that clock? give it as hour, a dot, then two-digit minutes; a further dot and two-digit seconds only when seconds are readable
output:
7.03
